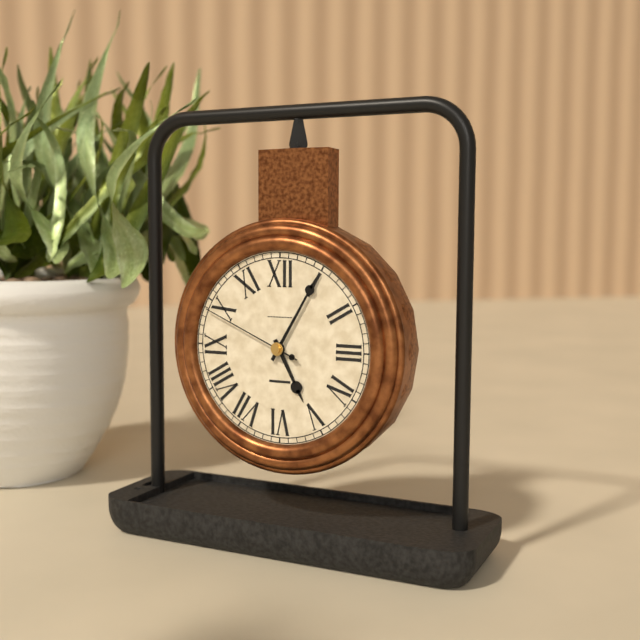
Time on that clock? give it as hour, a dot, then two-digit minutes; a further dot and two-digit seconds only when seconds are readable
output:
5.05.49
